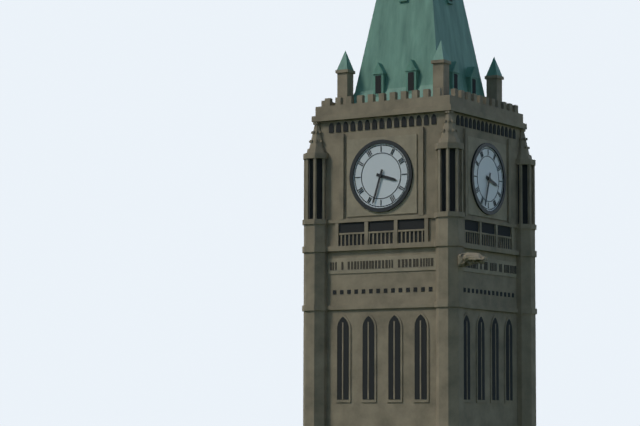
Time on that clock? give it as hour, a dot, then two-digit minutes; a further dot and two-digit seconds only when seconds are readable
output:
3.33
